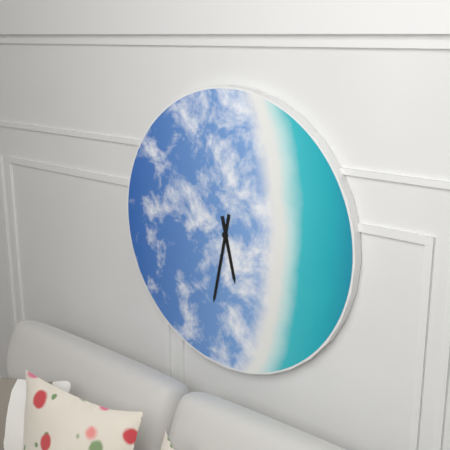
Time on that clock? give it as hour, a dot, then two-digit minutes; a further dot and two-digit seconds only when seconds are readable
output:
5.32
